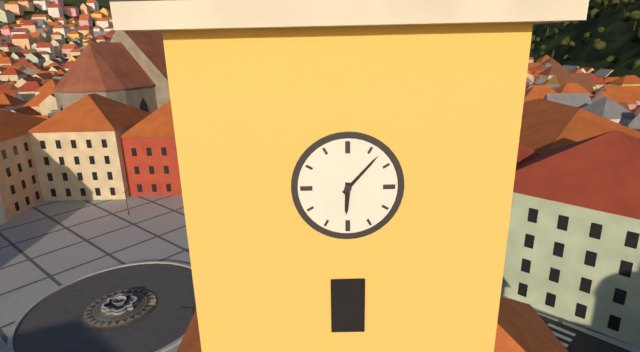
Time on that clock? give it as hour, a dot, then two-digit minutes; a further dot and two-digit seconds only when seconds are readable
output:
6.07
